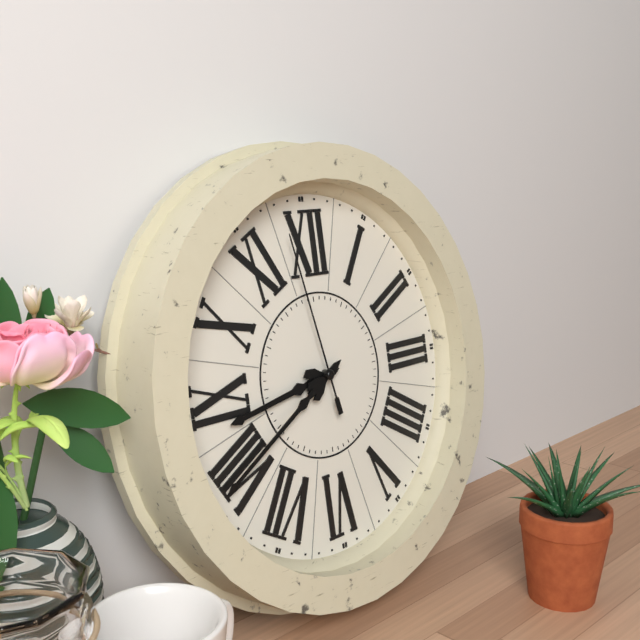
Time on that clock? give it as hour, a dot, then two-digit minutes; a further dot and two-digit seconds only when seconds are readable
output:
8.40.58
